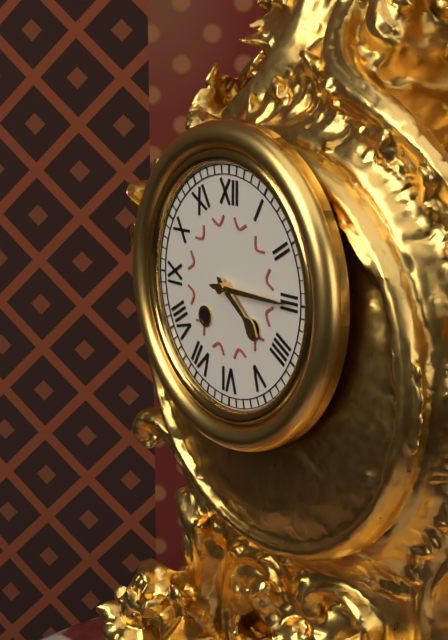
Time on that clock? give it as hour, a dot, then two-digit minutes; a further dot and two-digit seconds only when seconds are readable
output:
4.15
